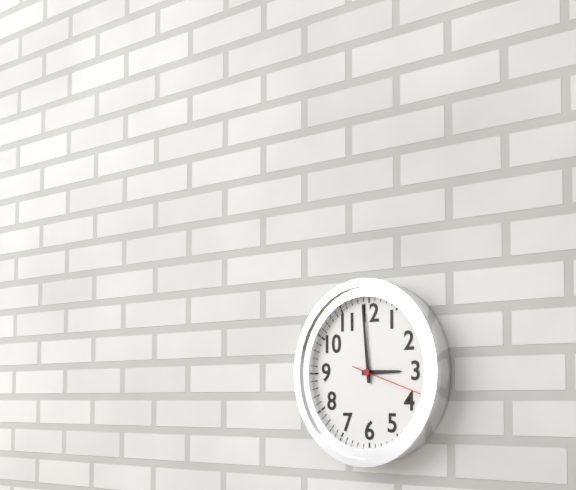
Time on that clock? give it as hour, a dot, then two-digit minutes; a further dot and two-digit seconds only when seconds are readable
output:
2.59.18
